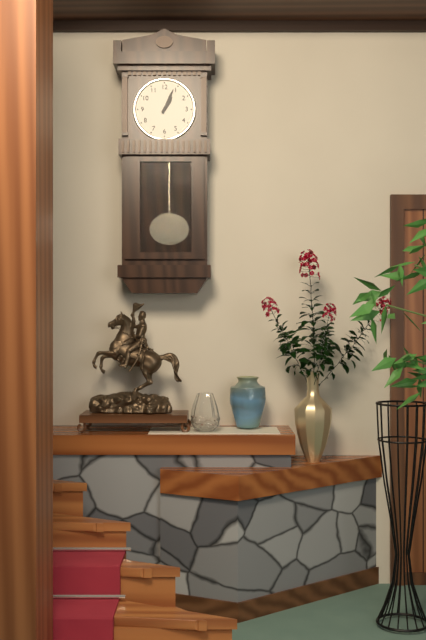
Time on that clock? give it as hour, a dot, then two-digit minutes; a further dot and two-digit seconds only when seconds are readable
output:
1.04
